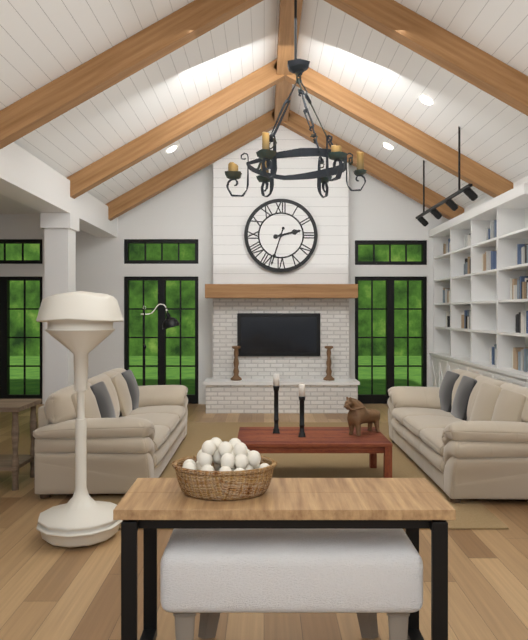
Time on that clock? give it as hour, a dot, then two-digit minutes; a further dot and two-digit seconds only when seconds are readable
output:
2.33
